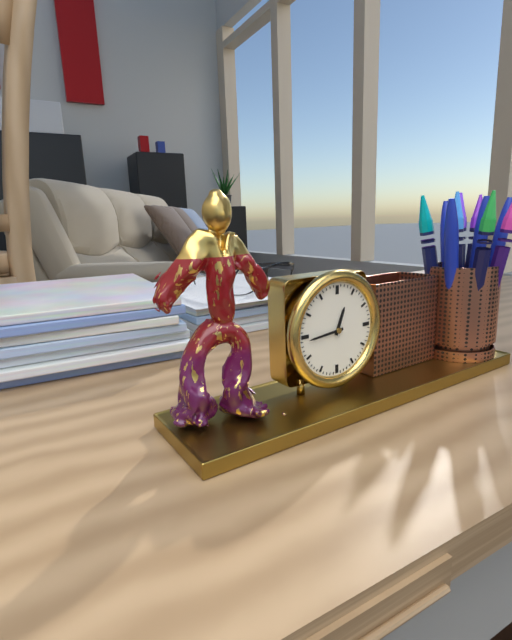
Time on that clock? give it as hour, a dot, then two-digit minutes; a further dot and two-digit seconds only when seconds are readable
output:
12.44
